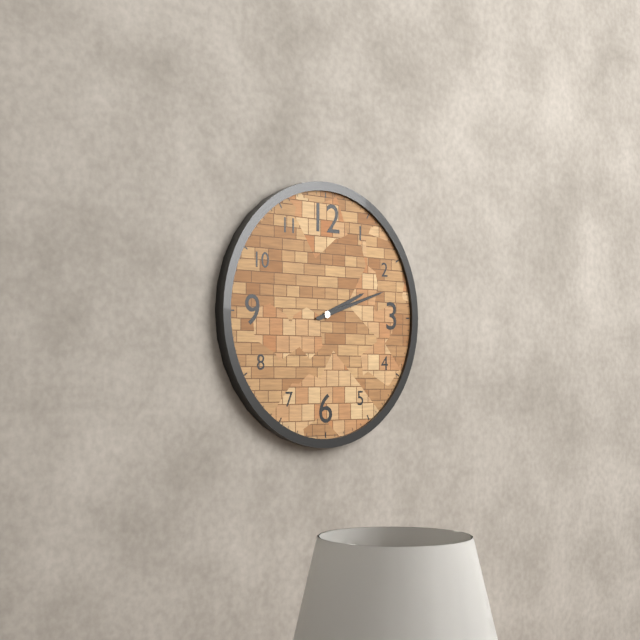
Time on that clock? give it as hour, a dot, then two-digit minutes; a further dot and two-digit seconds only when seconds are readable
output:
2.12
